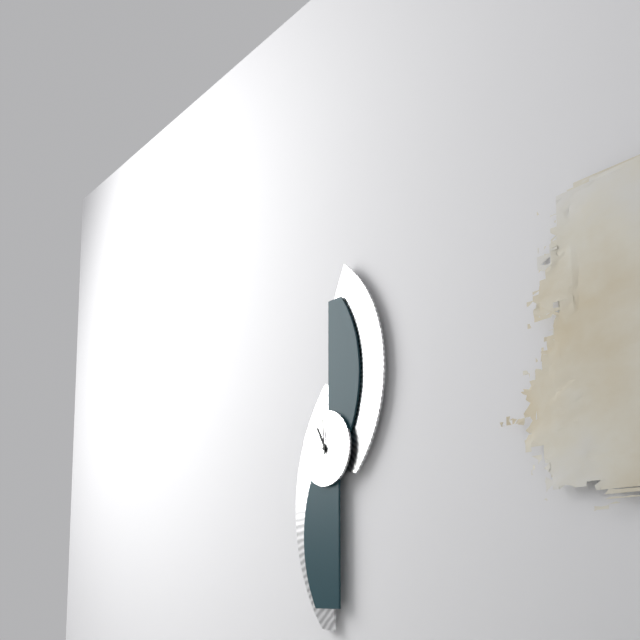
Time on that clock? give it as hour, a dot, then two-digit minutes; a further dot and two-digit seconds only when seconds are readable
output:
10.59
